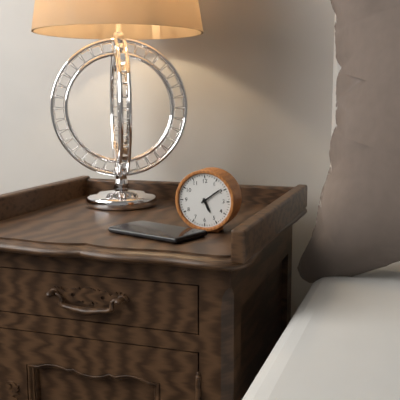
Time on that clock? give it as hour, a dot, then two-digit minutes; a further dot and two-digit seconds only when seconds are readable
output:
5.09
